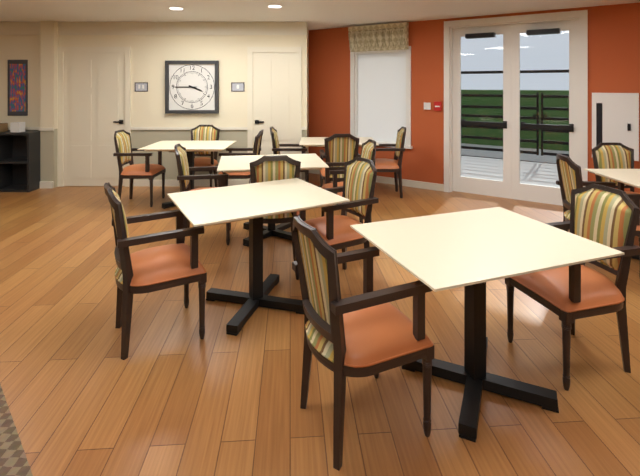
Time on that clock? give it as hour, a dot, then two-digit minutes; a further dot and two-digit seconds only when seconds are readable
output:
3.45
